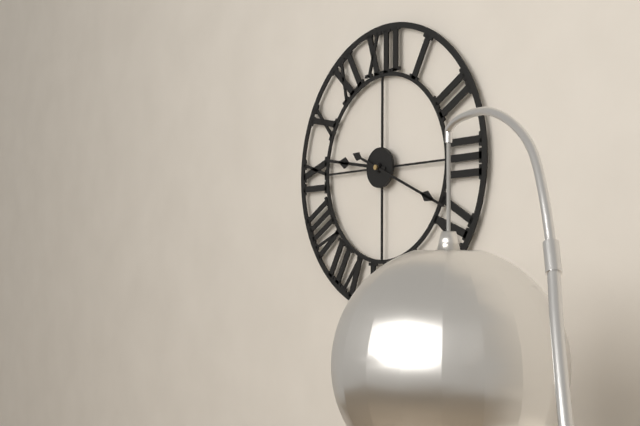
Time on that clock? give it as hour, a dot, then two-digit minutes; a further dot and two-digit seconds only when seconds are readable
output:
9.19
